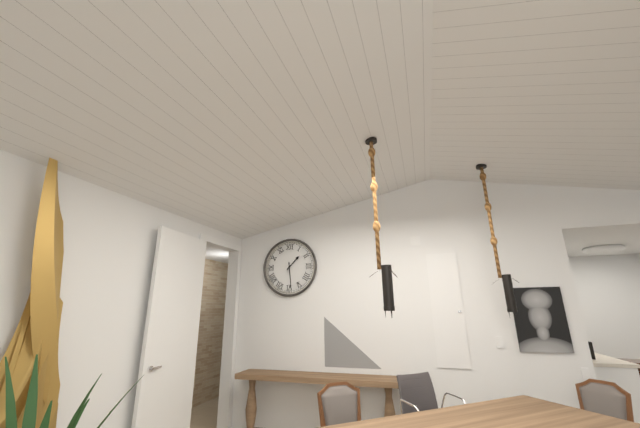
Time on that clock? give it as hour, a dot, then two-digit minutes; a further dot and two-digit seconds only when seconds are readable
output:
1.29
